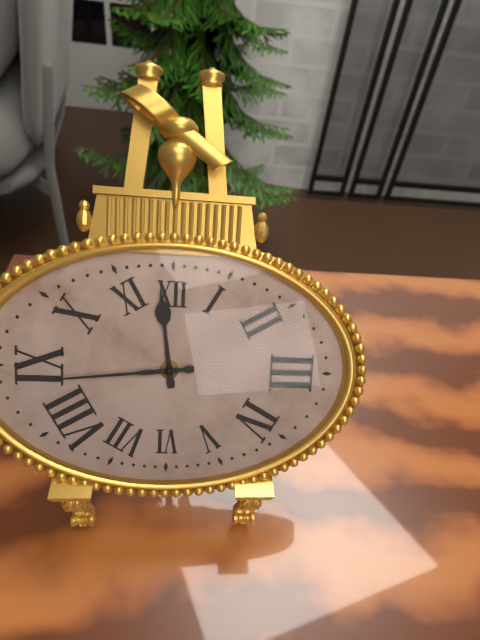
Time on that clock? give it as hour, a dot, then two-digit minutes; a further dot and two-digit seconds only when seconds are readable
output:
11.44
